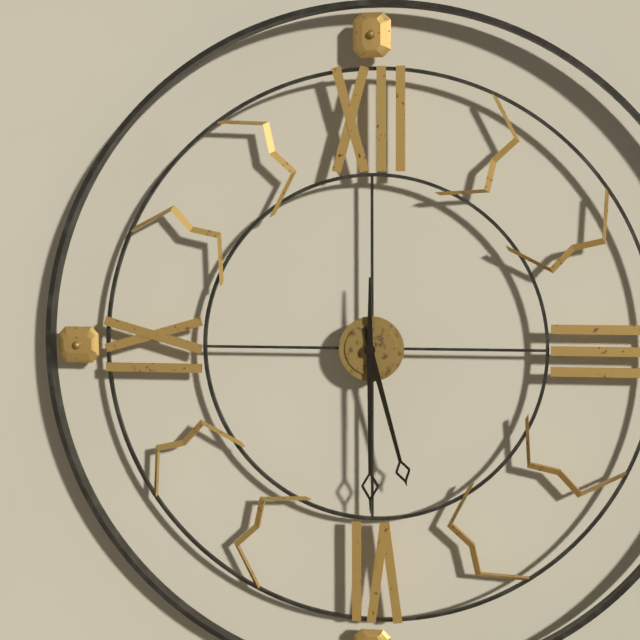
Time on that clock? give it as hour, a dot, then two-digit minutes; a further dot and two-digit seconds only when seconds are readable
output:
5.30
